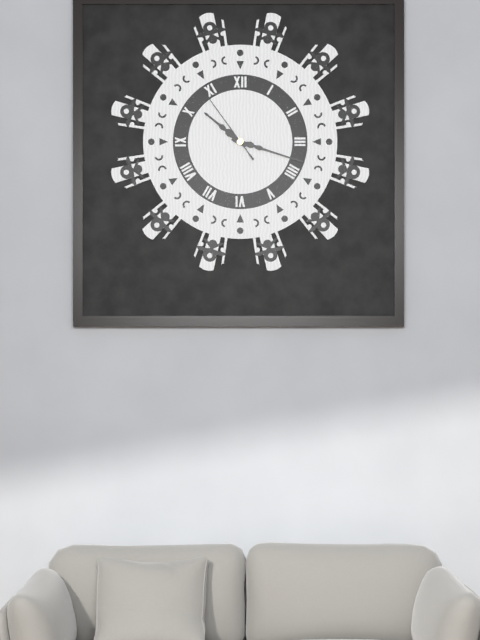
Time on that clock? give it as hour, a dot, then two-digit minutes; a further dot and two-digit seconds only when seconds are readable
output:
10.18.54
